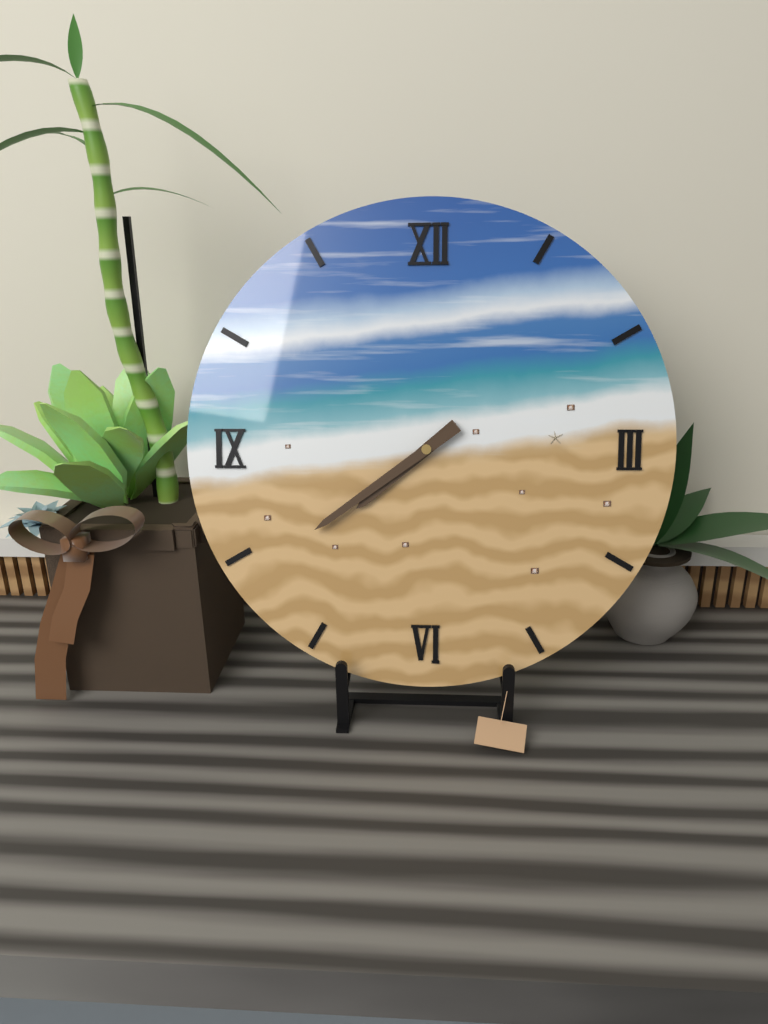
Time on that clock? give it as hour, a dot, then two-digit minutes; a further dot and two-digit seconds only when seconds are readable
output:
7.39
